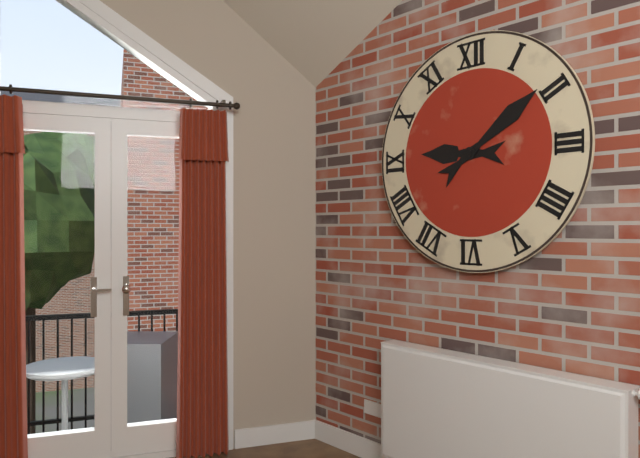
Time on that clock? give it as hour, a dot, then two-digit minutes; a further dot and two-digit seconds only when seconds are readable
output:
9.09
